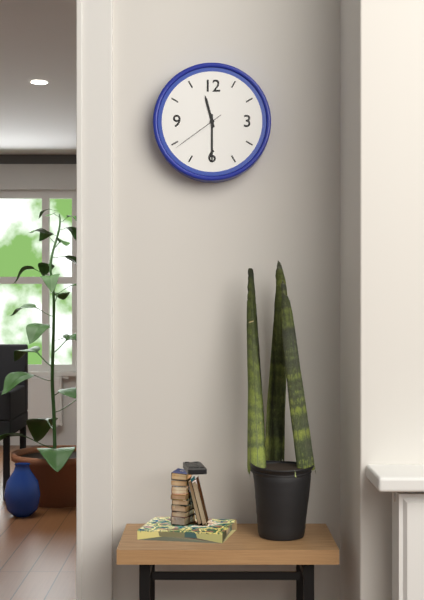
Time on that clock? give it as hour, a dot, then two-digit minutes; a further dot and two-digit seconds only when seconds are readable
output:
11.30.39
